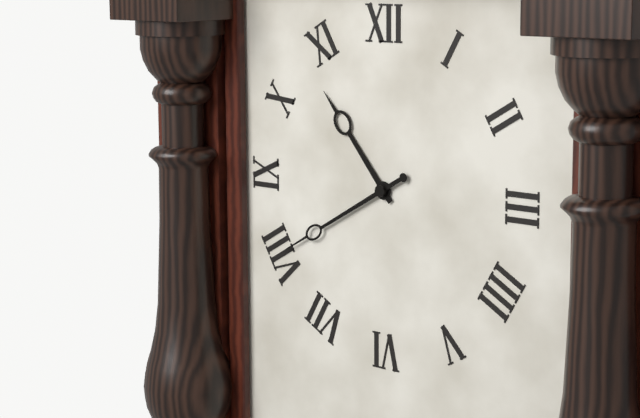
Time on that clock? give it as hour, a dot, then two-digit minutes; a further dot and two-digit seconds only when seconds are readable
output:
10.40
